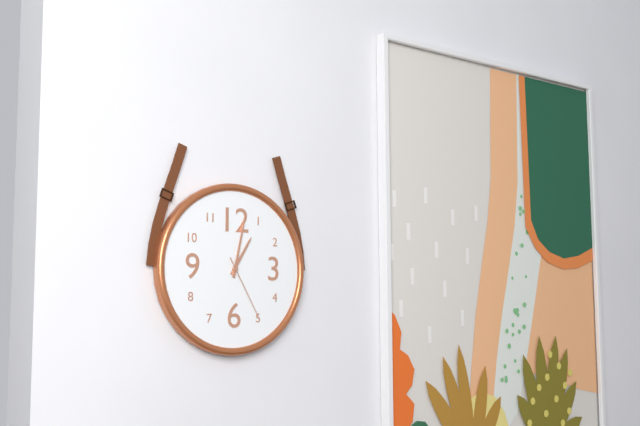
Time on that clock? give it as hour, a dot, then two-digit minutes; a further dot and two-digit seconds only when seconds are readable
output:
1.02.25
